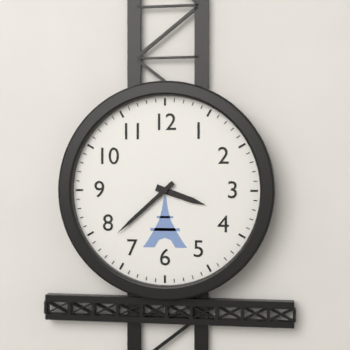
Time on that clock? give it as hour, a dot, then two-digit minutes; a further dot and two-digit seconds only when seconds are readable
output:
3.38
